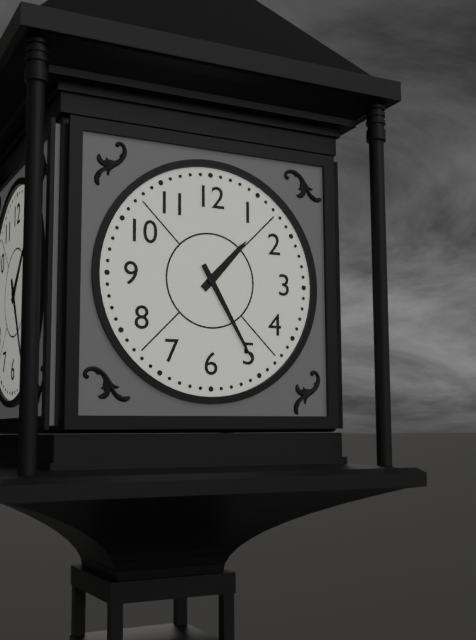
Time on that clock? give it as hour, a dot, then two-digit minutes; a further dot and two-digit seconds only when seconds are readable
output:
1.25
